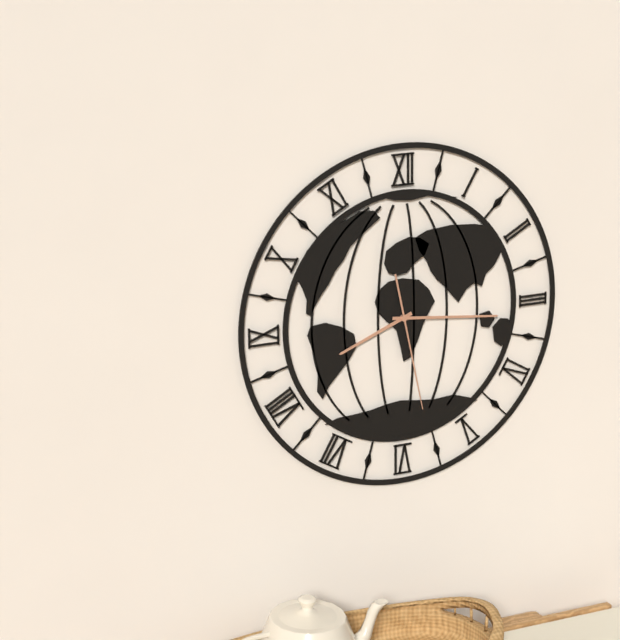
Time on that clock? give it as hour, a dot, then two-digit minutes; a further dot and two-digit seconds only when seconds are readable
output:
8.16.28
